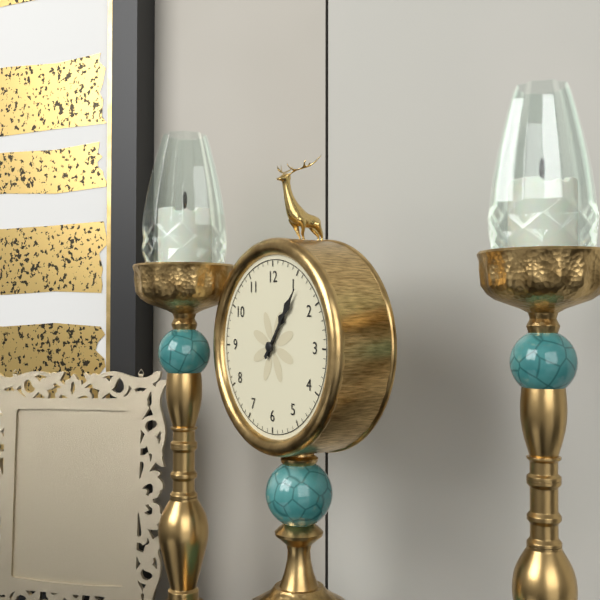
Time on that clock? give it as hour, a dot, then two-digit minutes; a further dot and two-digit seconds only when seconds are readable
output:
1.06
